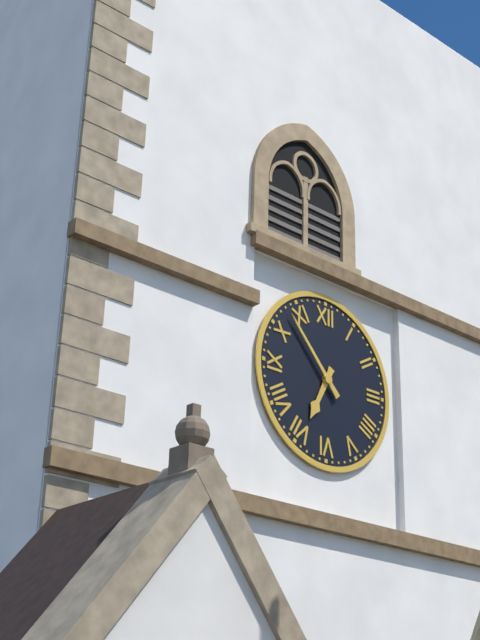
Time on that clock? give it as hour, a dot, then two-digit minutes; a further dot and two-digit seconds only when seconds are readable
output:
6.53
